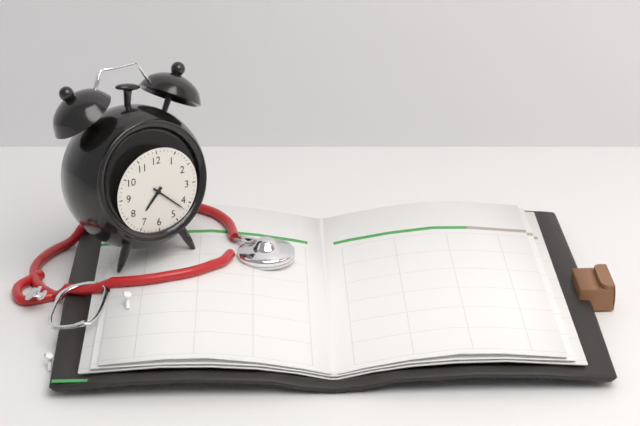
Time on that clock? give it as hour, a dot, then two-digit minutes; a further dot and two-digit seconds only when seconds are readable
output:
7.22
